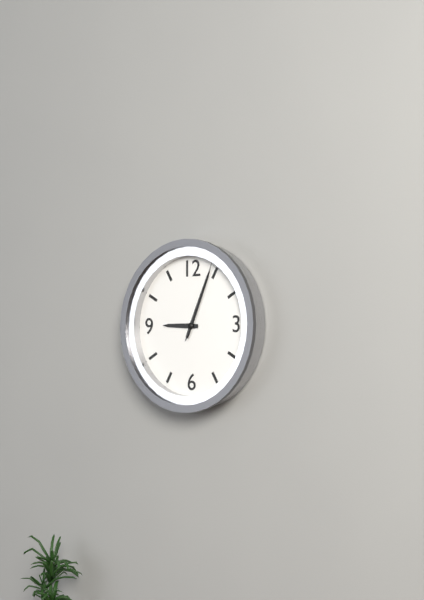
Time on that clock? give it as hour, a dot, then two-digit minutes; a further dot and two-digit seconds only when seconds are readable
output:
9.04.04
